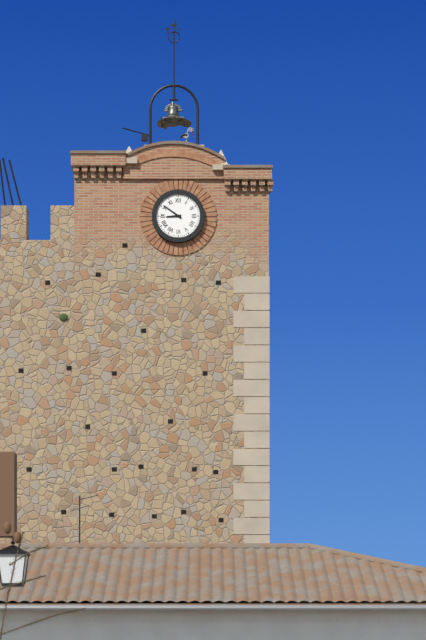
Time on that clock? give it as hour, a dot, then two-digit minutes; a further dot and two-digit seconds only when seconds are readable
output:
8.51
